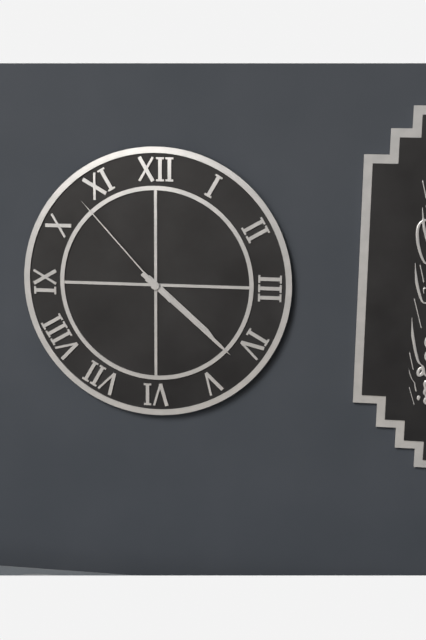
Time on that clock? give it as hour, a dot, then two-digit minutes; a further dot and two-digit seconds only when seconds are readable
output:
4.22.53
